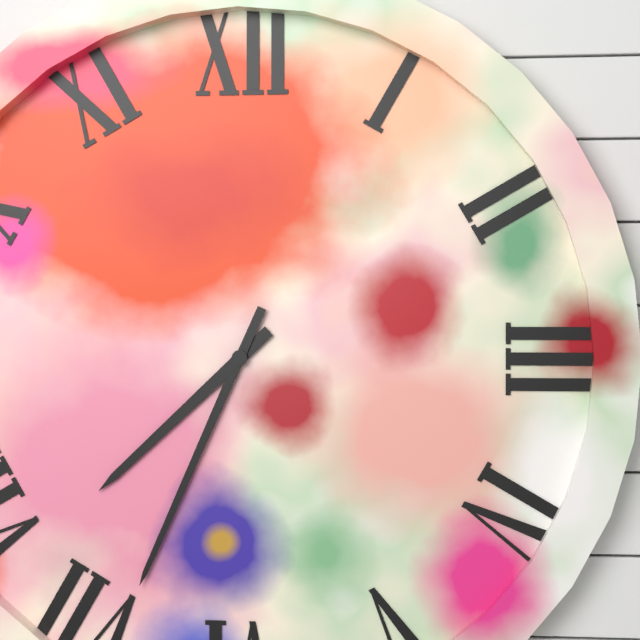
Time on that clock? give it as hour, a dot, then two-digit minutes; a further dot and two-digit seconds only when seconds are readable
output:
7.34
